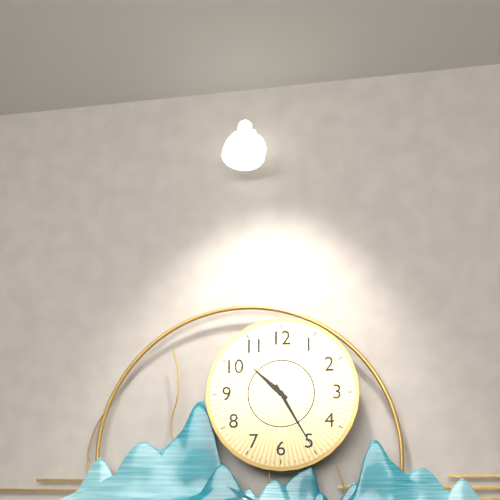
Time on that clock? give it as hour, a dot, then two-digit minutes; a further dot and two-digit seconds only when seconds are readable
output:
10.25
